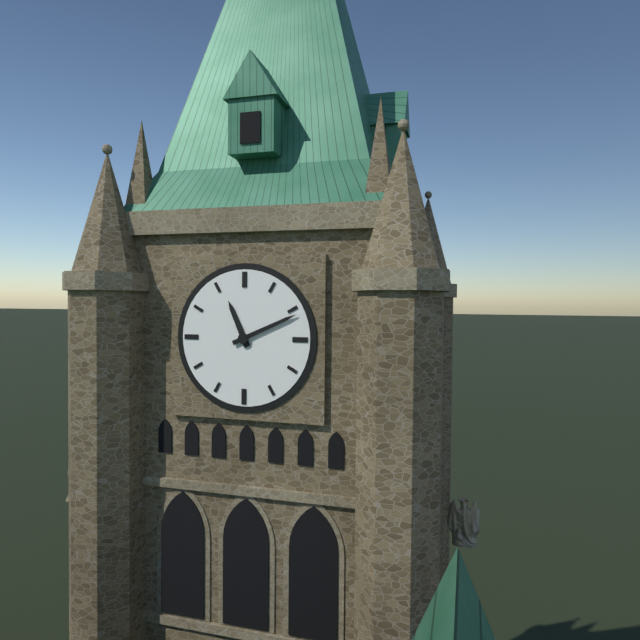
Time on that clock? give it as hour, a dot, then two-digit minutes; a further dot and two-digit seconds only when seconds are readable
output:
11.11
